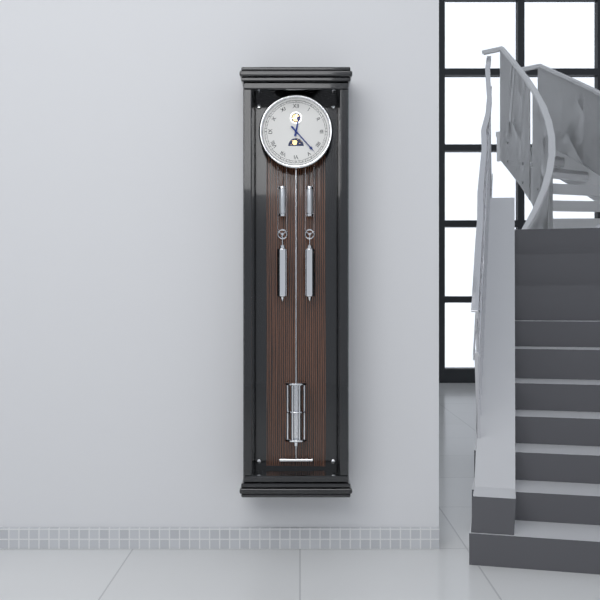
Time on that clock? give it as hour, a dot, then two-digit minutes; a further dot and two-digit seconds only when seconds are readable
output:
12.23
